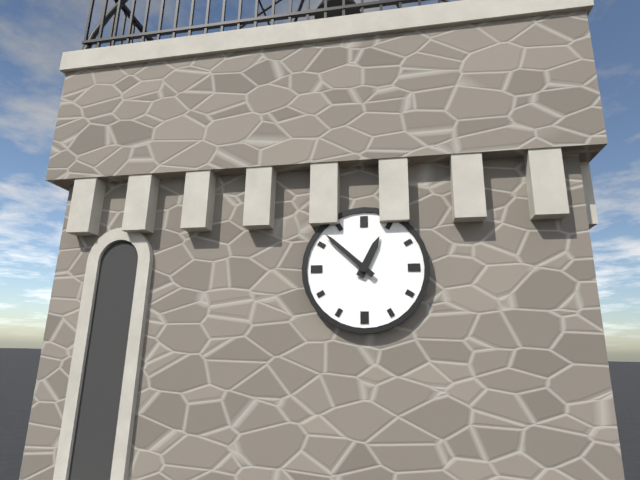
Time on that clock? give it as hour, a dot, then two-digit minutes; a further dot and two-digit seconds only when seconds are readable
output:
12.52
